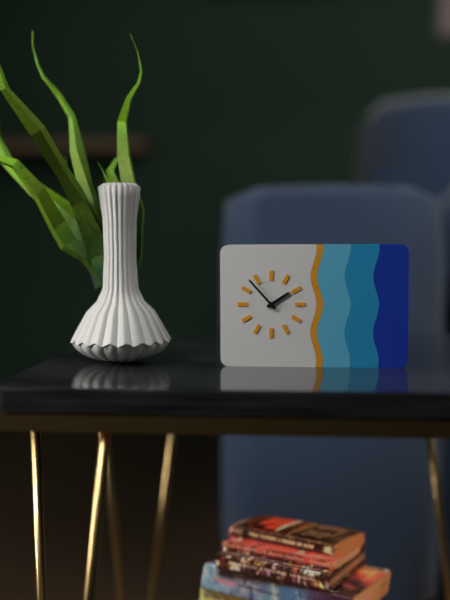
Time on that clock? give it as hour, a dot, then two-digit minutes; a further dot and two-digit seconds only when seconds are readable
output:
1.53
